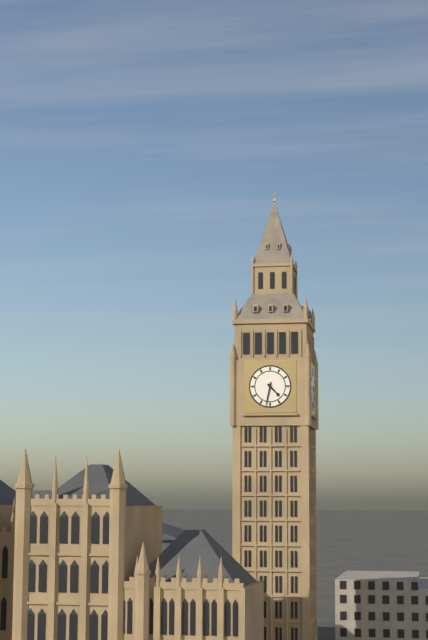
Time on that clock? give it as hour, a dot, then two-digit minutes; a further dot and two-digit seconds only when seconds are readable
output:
4.32
